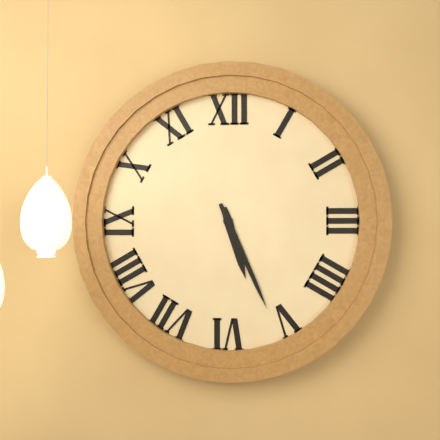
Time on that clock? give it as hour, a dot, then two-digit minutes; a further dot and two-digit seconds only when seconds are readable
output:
5.26
